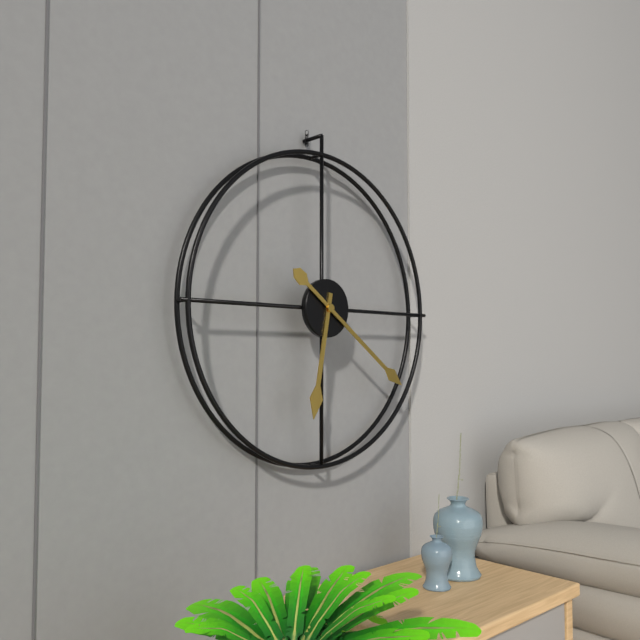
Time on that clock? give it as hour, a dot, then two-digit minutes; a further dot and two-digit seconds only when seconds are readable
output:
6.21
